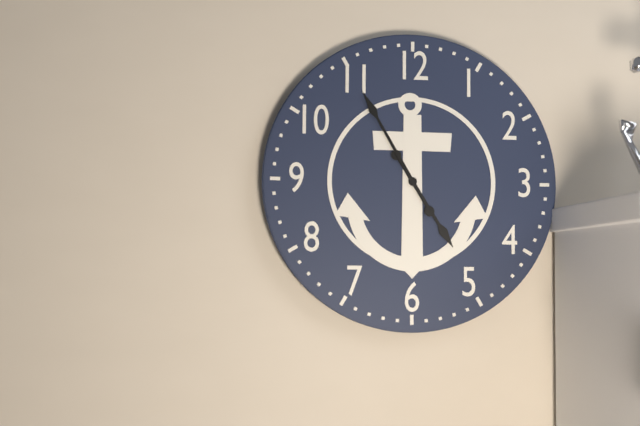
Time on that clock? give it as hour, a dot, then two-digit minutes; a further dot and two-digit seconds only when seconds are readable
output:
4.55
